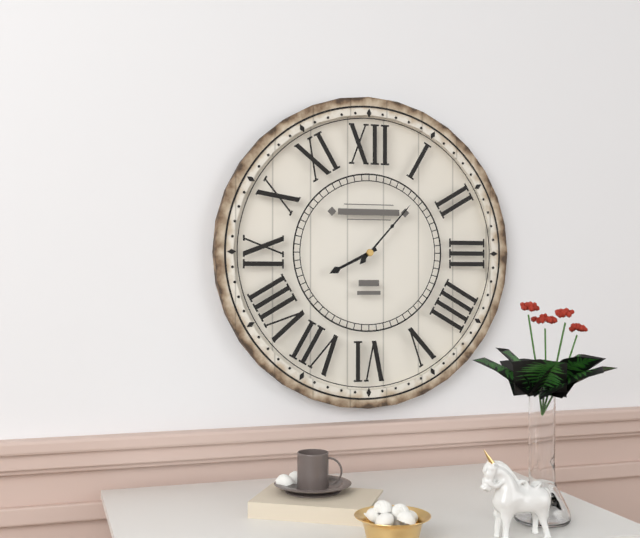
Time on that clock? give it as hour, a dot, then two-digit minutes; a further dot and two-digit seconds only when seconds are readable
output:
8.07
